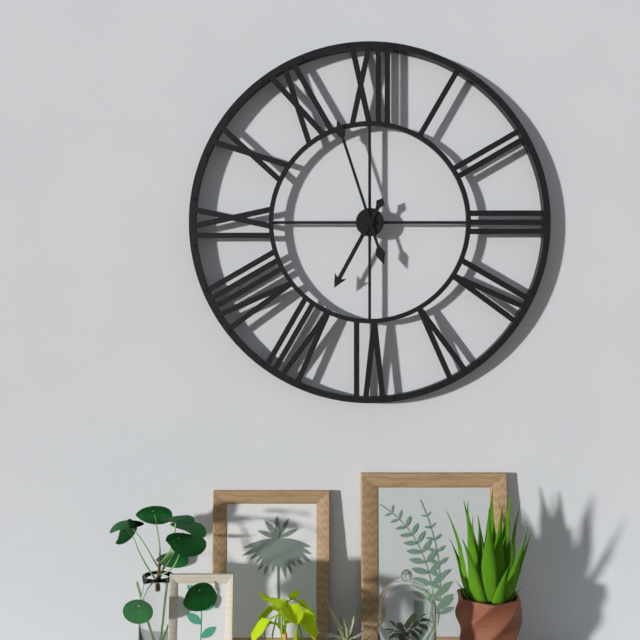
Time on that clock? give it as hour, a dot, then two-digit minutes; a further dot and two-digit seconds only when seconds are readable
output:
6.57
